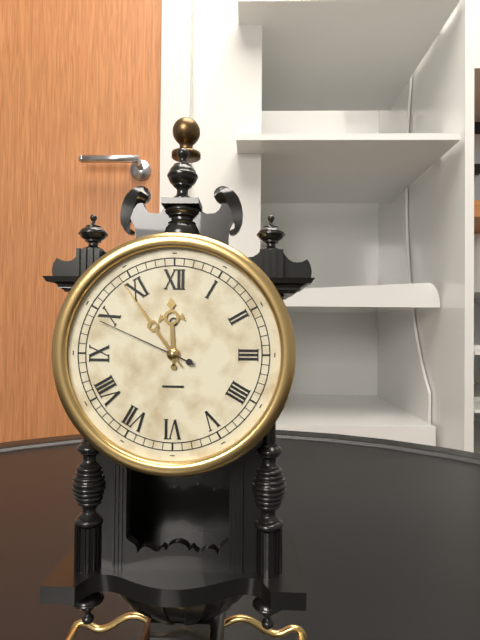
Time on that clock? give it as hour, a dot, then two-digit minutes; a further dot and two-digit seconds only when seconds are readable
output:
11.54.49
